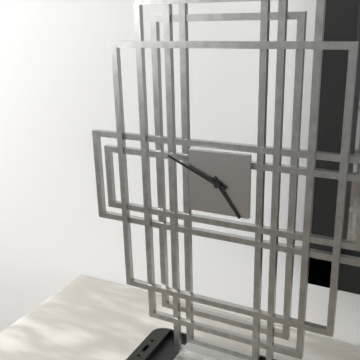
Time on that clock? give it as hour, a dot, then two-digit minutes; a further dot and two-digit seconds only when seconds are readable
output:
4.49
